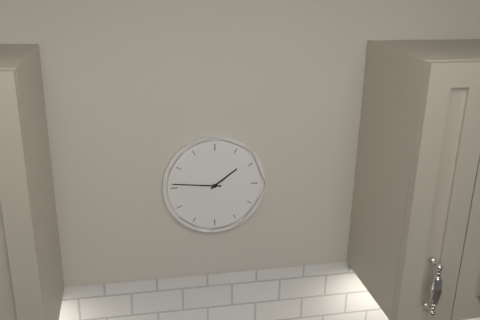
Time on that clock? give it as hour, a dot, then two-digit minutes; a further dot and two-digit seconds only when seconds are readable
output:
1.46
